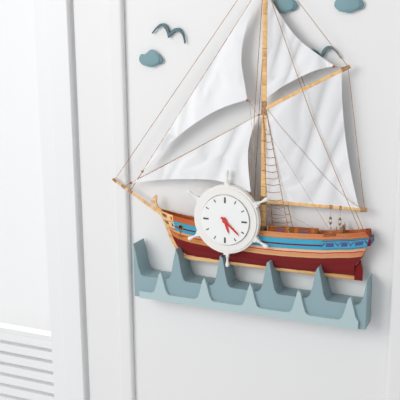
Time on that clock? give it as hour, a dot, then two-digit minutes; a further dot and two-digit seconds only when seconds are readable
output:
5.22
